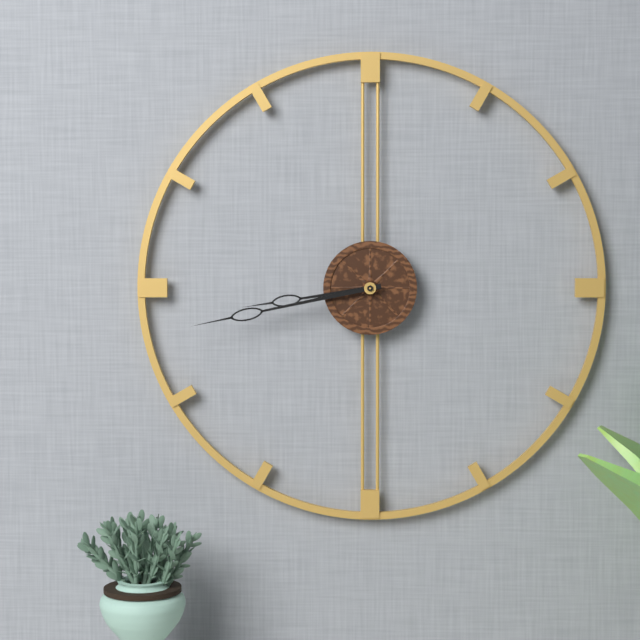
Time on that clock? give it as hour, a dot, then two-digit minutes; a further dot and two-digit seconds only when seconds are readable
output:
8.43
